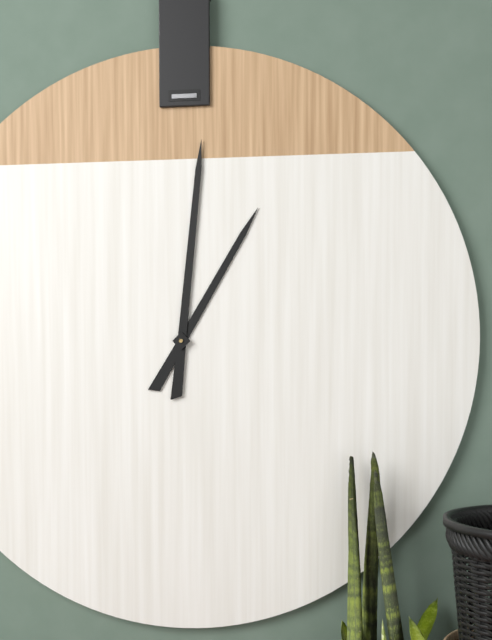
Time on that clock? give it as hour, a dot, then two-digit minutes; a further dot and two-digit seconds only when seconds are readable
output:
1.01
